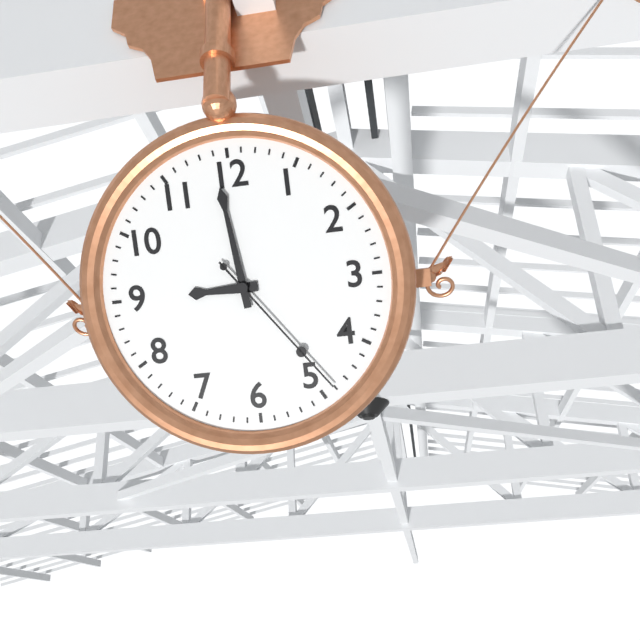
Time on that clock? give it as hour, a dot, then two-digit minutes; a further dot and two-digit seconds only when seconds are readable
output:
8.59.24
